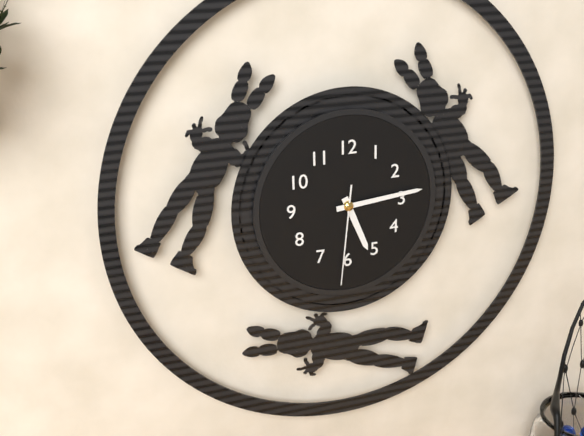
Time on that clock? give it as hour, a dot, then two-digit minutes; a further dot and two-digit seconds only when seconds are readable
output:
5.14.31
